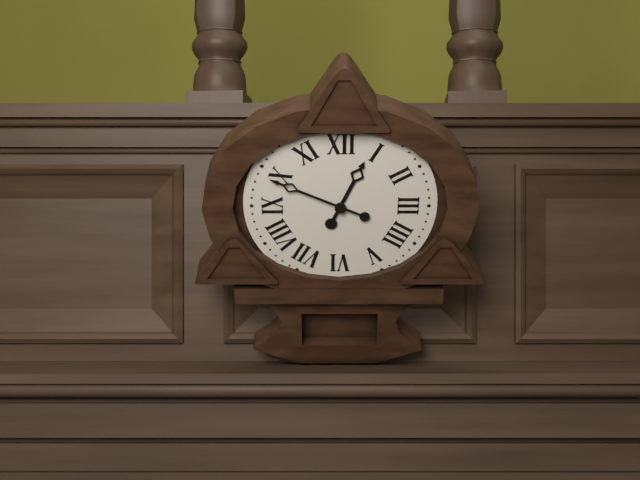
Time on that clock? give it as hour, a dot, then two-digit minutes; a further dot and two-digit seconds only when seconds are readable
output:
12.49
